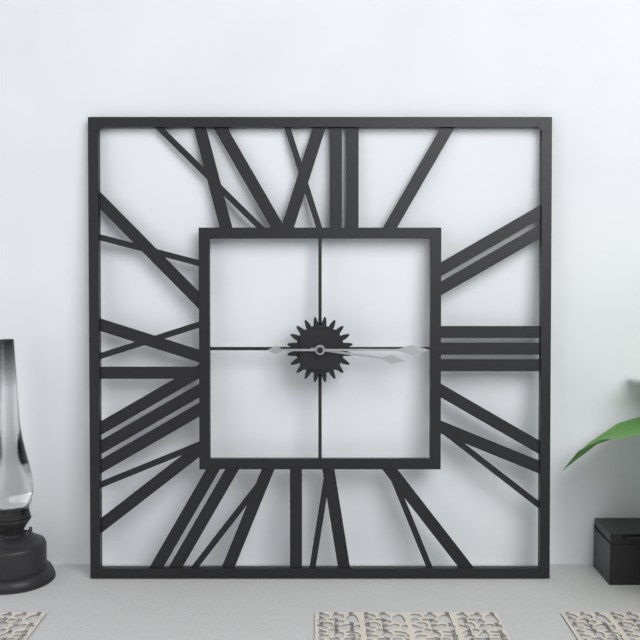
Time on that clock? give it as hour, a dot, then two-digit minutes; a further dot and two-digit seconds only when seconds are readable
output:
3.15
